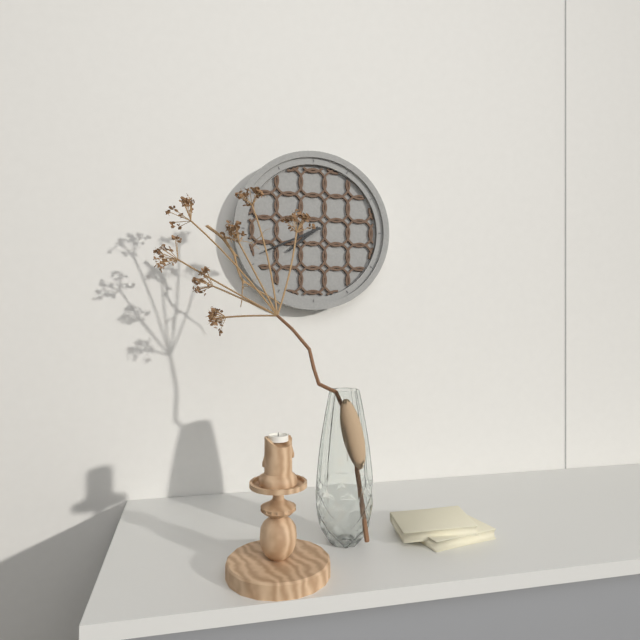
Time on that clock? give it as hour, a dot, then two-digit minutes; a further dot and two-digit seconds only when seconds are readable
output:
7.41
